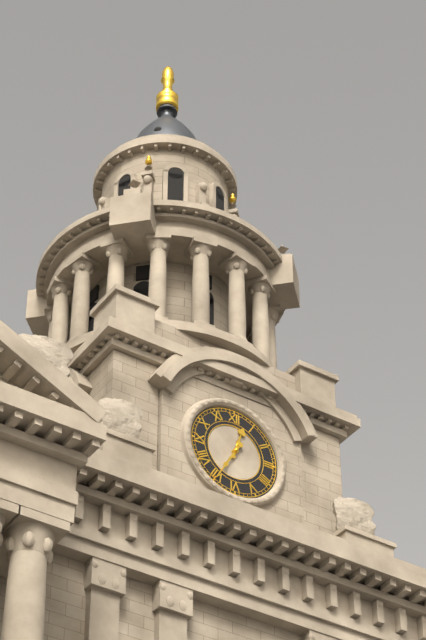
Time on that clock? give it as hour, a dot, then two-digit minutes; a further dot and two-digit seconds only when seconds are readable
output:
12.35
